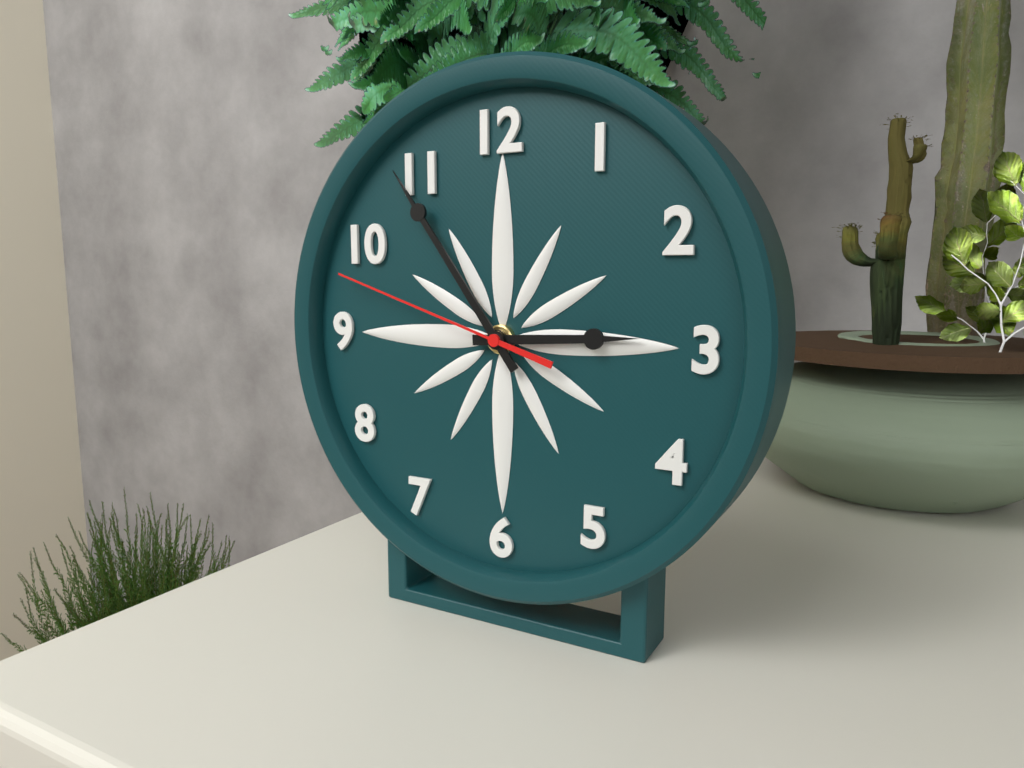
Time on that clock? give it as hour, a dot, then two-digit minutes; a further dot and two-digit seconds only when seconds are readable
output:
2.54.48
